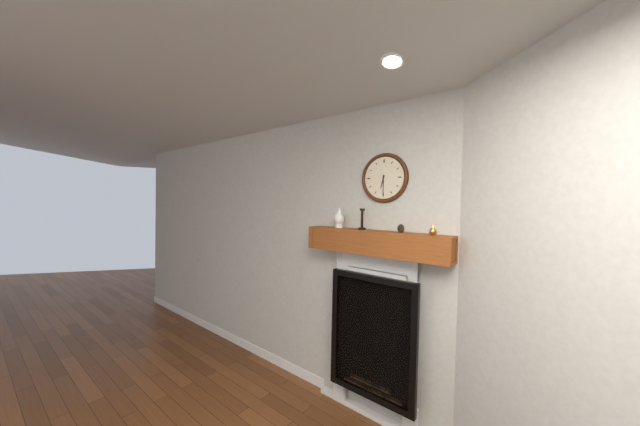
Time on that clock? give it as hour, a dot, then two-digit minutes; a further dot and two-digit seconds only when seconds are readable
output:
6.30
